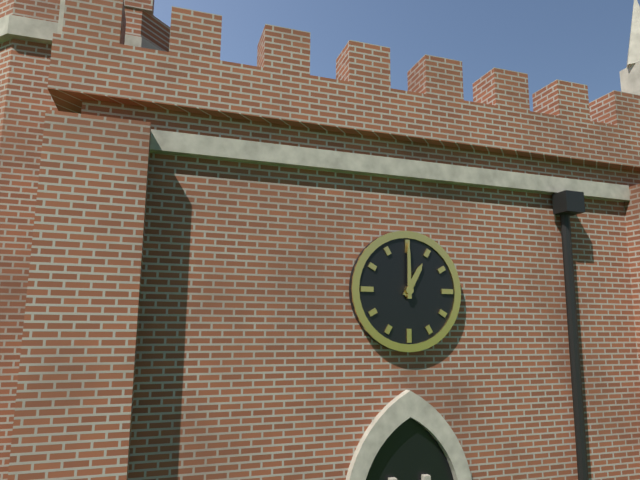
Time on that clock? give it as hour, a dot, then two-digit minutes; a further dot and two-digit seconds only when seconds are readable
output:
1.00
